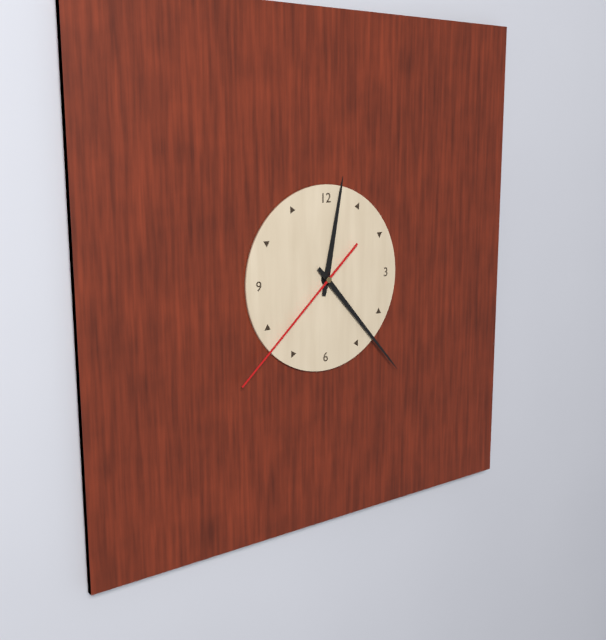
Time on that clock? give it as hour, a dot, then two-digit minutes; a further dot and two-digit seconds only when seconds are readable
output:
12.23.38
